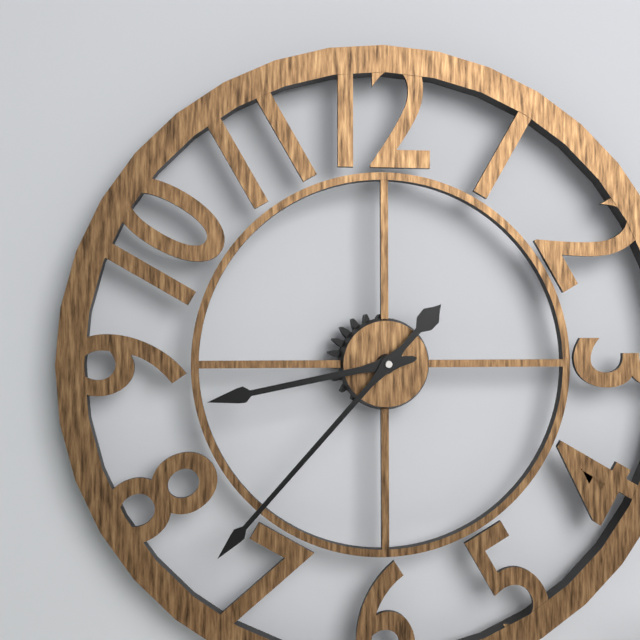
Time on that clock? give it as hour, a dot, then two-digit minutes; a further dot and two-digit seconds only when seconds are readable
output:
8.37
